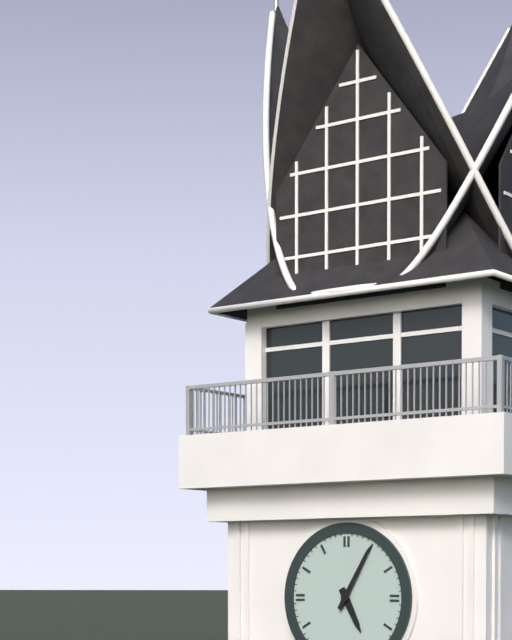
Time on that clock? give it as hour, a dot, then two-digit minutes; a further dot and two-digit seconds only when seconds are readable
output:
5.05
